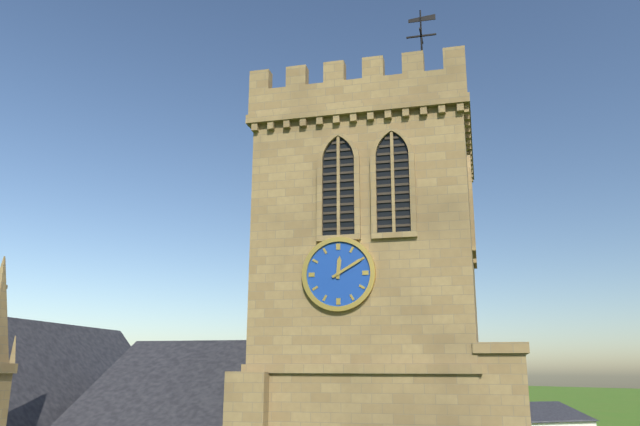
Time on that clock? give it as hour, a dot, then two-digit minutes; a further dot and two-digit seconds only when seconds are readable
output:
12.10
